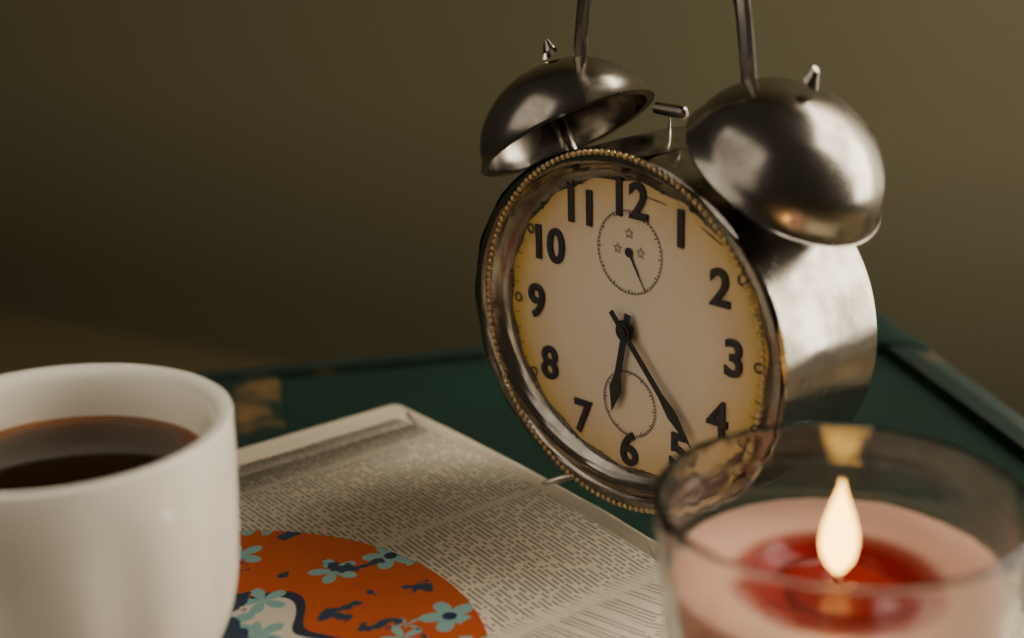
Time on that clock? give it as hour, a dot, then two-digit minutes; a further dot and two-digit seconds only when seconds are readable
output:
6.23
